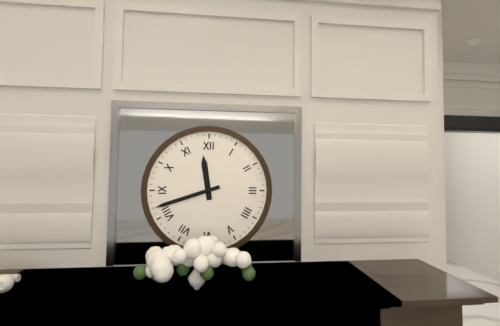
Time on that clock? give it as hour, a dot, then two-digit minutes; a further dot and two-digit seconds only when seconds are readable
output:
11.42
